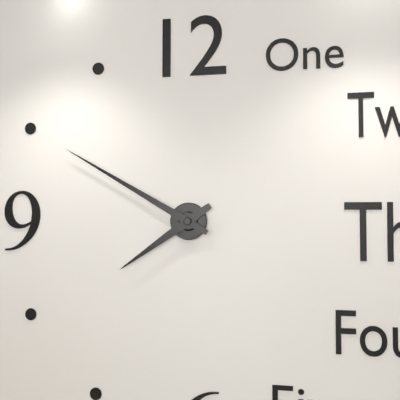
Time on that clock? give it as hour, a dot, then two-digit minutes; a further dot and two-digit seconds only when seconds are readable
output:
7.50
